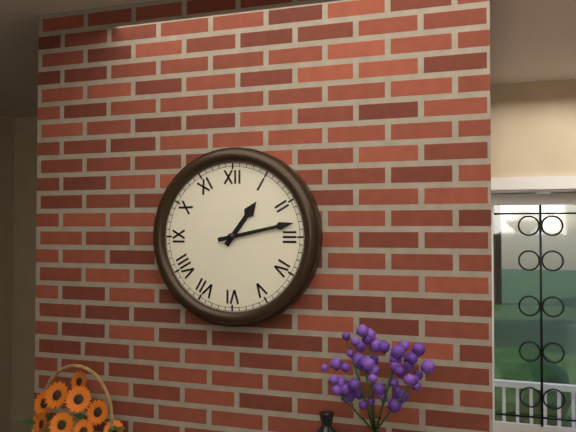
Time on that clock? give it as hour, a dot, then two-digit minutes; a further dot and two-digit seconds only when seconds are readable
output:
1.13
